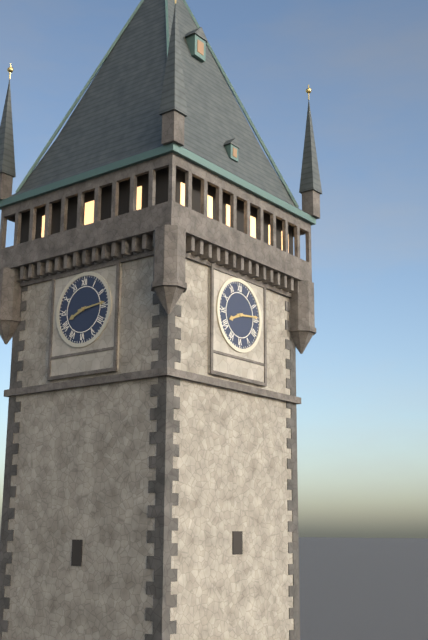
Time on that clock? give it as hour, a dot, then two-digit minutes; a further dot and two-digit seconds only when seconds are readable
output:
8.14
